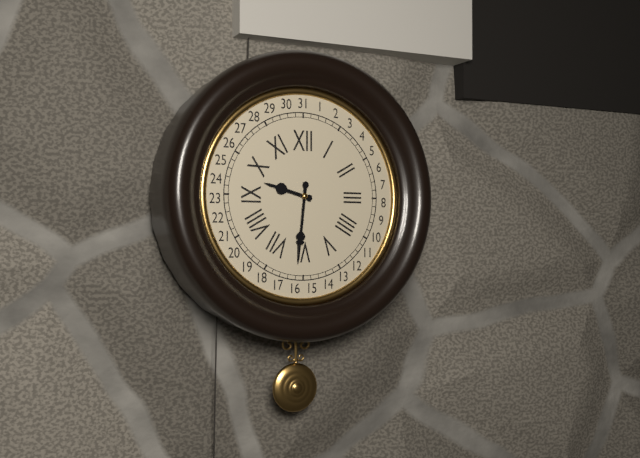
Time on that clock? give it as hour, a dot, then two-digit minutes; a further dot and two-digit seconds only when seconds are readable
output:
9.31
